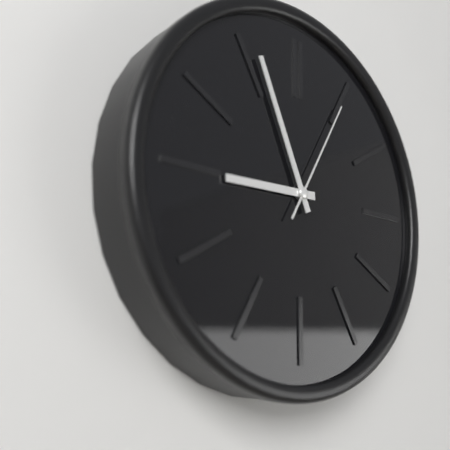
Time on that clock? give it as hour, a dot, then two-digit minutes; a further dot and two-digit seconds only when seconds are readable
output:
8.56.05
